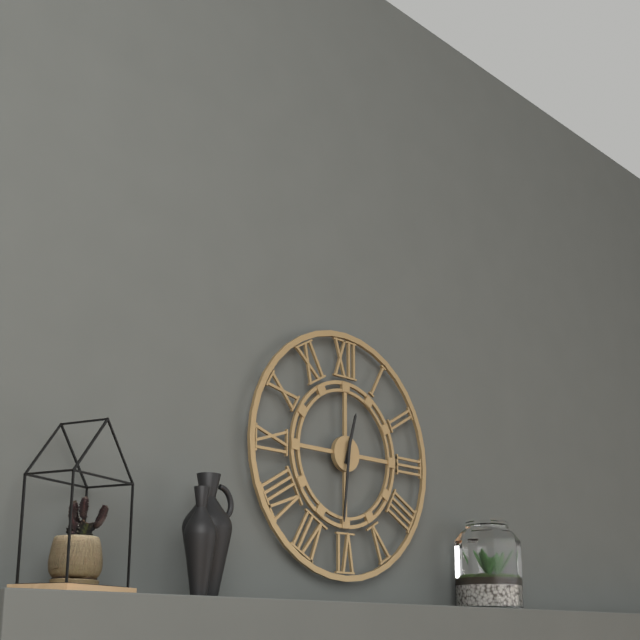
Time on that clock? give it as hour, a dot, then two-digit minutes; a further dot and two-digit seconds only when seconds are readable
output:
12.31
